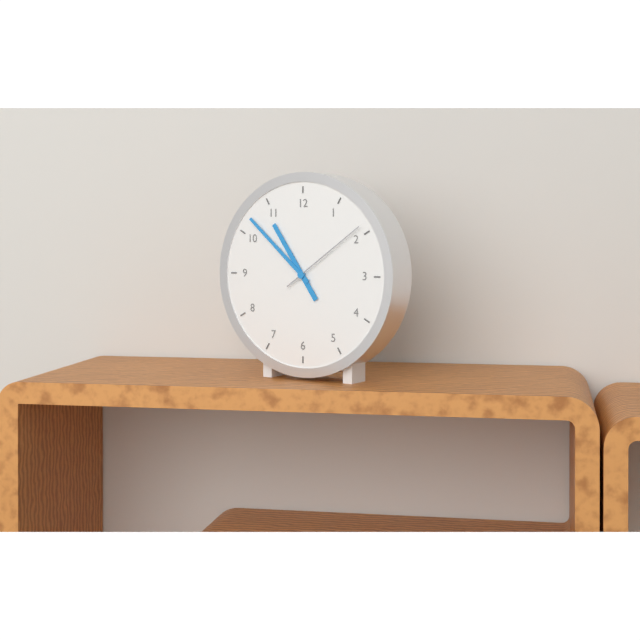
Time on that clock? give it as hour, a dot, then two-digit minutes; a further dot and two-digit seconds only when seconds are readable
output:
10.52.09
